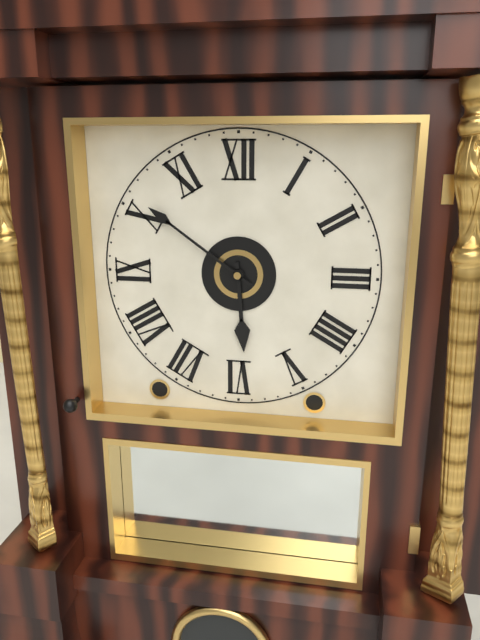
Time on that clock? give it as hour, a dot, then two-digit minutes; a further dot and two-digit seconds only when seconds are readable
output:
5.51
